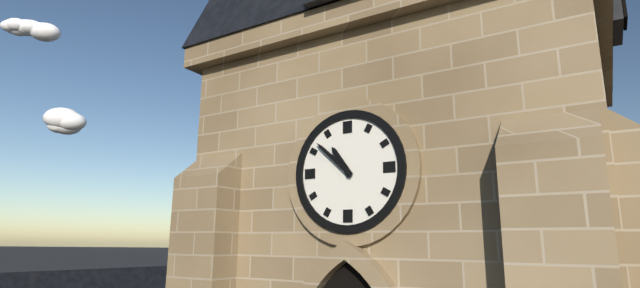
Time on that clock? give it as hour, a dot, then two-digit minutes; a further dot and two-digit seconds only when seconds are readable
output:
10.52
